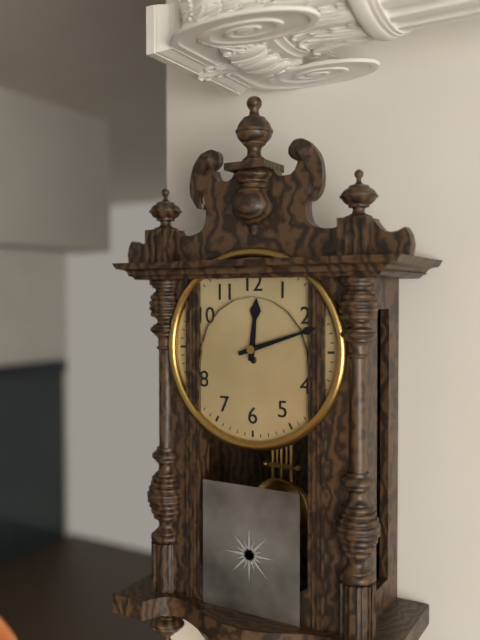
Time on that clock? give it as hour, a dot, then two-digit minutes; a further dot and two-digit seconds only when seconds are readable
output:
12.12
